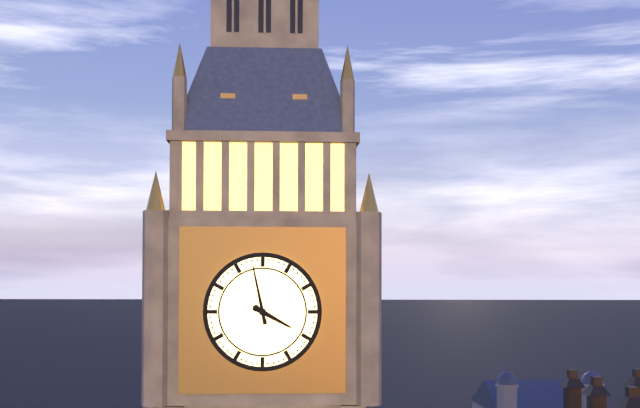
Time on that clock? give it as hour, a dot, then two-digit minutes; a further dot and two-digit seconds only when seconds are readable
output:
3.58
